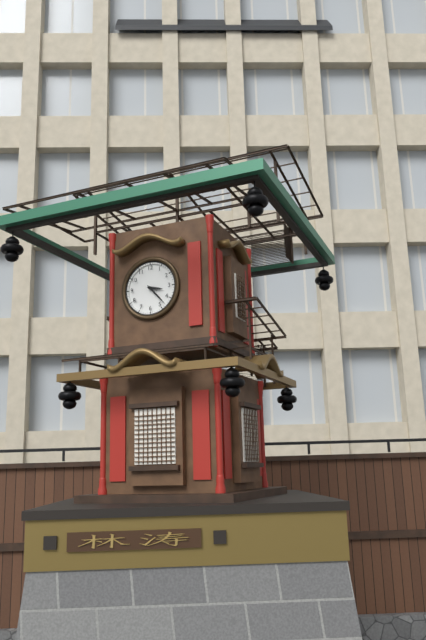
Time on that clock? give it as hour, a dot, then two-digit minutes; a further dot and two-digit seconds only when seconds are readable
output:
3.23
